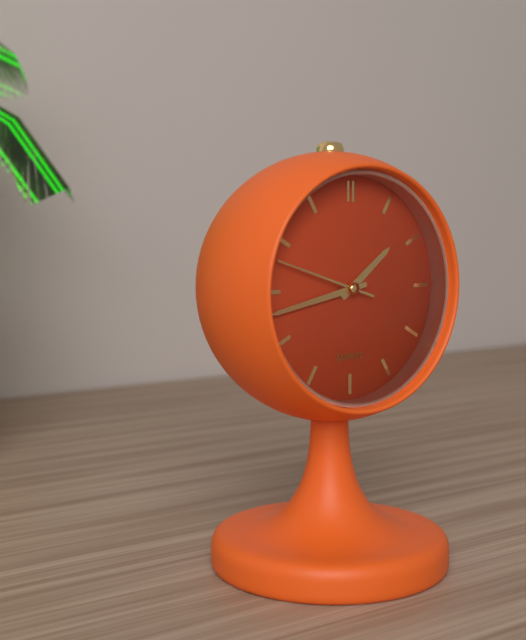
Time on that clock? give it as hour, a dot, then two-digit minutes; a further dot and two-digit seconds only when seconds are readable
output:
1.43.48
